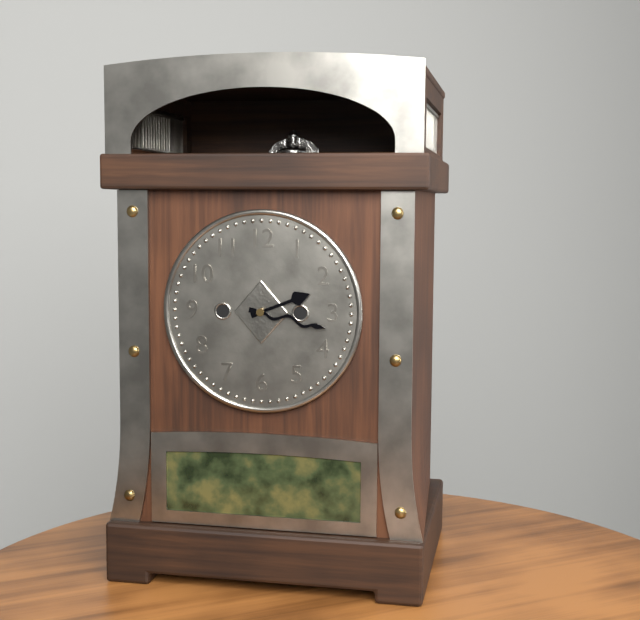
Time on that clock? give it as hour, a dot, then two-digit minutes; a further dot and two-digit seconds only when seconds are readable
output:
2.17
